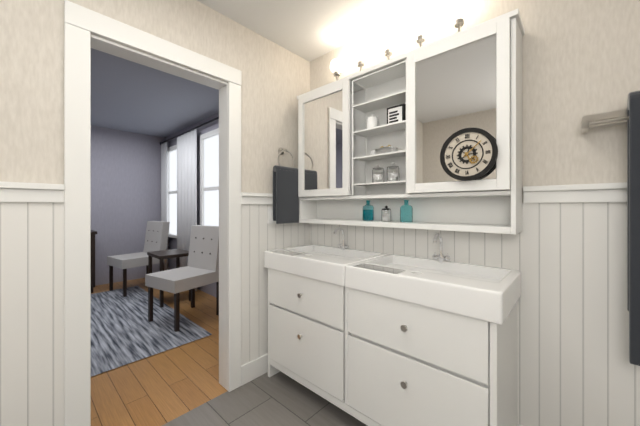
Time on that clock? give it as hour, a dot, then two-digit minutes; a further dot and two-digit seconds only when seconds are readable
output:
5.08
